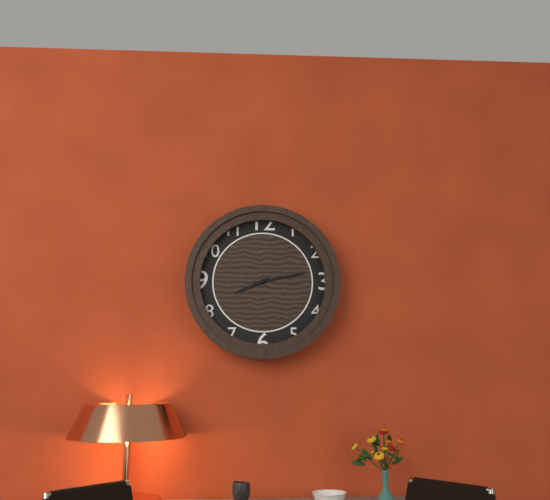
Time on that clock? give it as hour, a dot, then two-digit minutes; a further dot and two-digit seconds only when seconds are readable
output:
8.13
